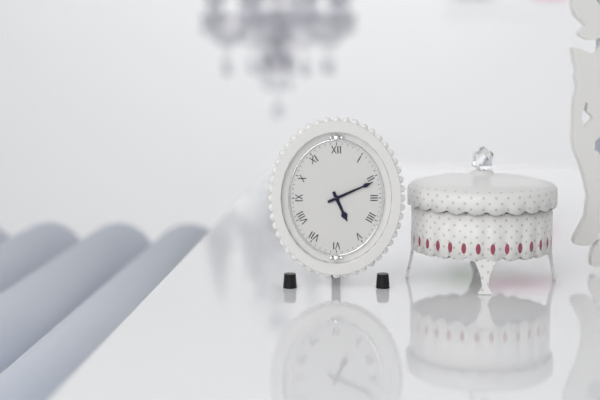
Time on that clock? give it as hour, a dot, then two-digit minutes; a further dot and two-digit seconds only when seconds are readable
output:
5.11
